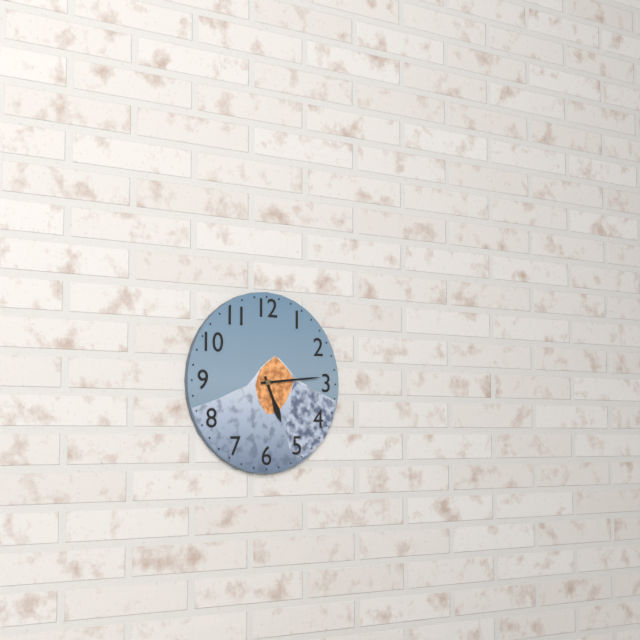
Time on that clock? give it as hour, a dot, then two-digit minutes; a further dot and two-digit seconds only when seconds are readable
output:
5.14
